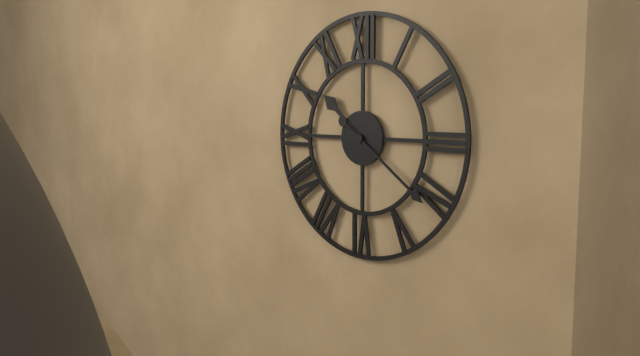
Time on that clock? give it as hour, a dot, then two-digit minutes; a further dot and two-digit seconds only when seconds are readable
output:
10.21
